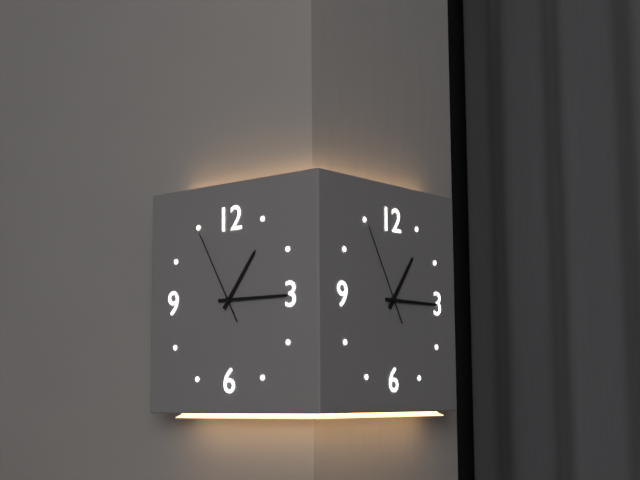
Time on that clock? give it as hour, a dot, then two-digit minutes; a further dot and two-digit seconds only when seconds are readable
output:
1.15.55
